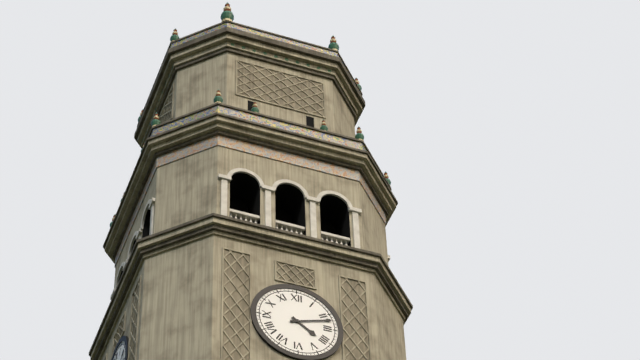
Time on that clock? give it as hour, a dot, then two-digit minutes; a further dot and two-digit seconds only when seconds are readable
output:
4.12
